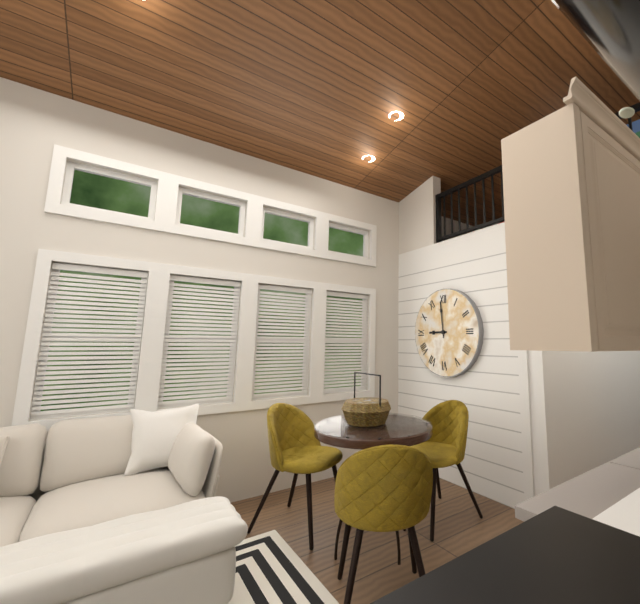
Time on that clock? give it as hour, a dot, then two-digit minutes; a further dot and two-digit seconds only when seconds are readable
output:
8.59
